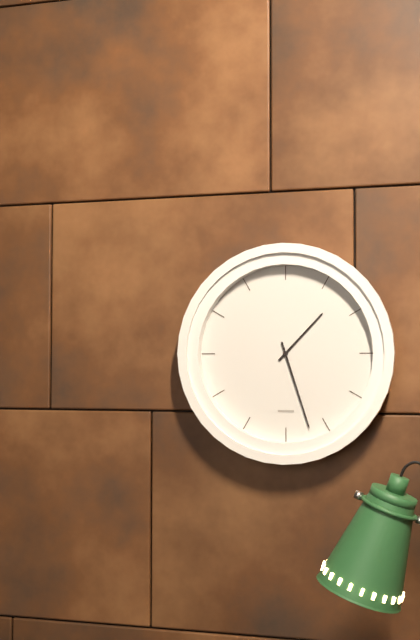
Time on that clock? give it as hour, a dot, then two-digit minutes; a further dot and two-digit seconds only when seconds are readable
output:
1.27
